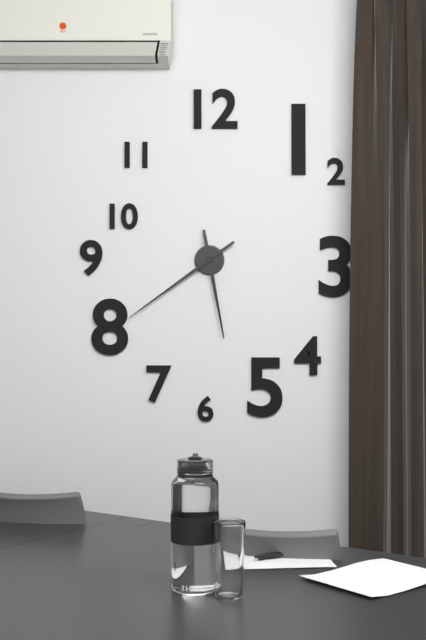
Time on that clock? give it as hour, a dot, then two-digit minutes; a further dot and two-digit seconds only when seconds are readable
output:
5.39
